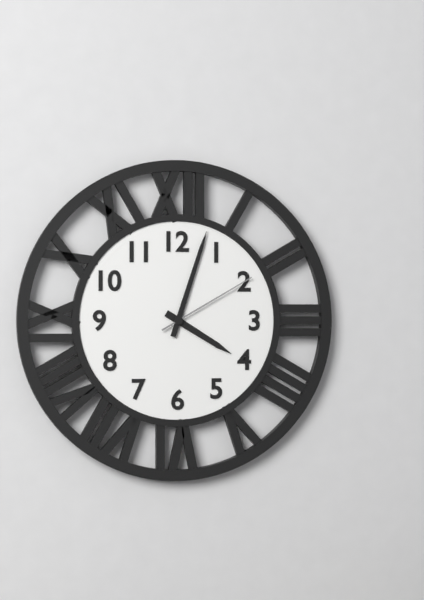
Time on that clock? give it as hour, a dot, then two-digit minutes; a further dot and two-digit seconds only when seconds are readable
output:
4.03.10
